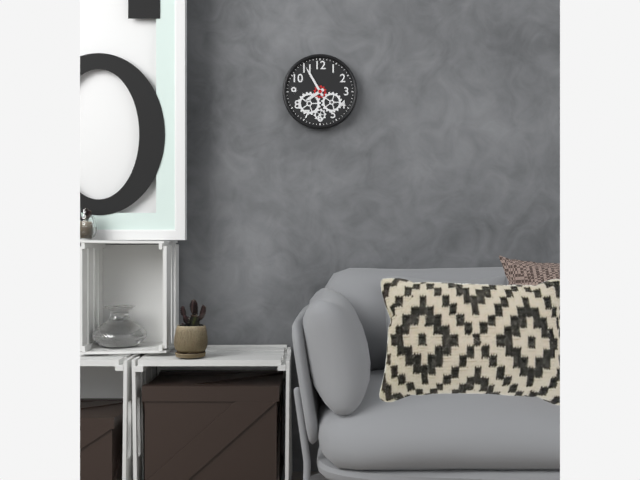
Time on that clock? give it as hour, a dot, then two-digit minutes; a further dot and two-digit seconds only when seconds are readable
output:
7.55
